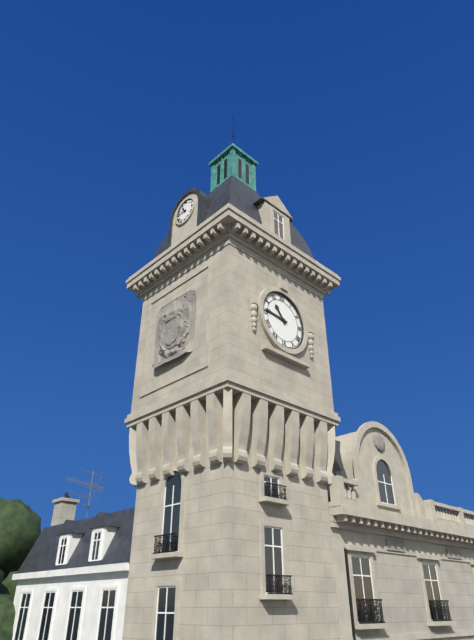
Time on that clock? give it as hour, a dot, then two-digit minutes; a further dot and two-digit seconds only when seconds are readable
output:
10.46
